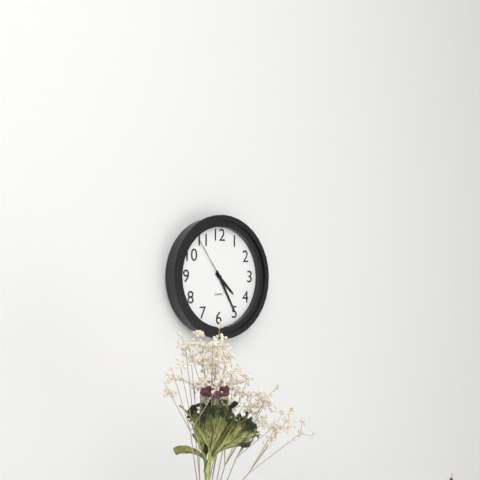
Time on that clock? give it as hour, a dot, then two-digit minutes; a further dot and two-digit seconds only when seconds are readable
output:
4.25.54
